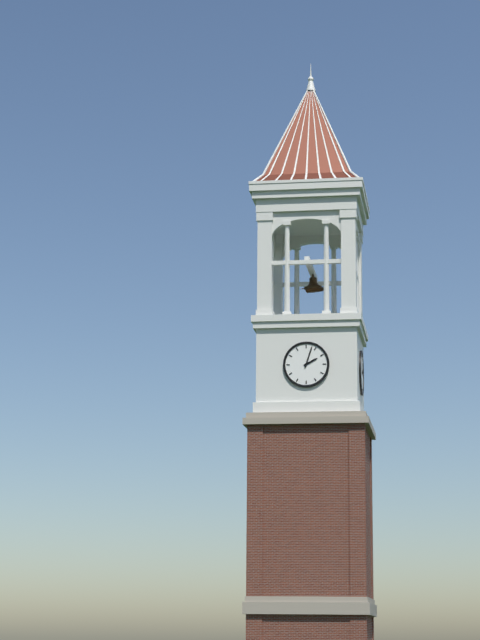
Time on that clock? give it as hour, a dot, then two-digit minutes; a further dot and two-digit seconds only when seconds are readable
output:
2.03
